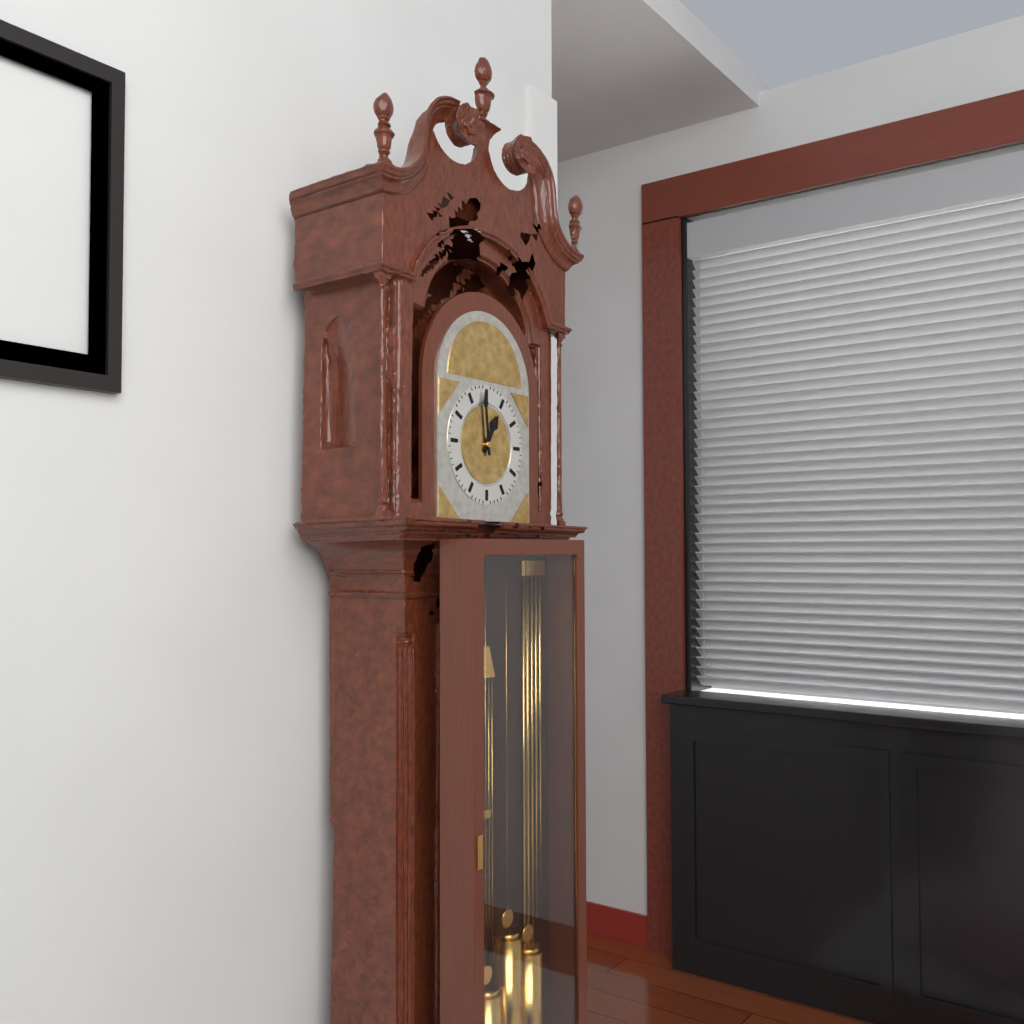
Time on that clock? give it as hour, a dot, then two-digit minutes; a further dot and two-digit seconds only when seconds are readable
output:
12.59
